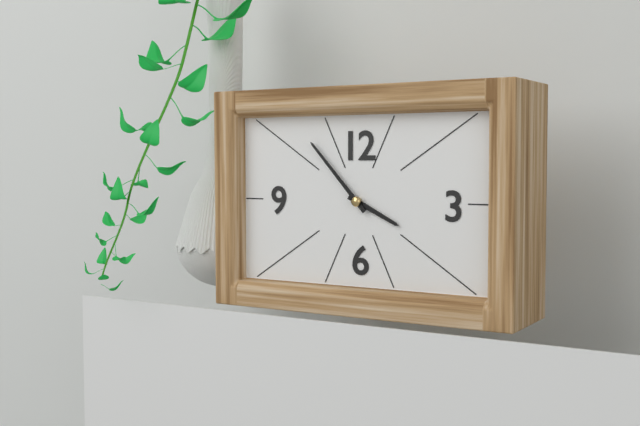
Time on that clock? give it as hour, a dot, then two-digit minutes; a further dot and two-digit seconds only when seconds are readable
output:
3.53
